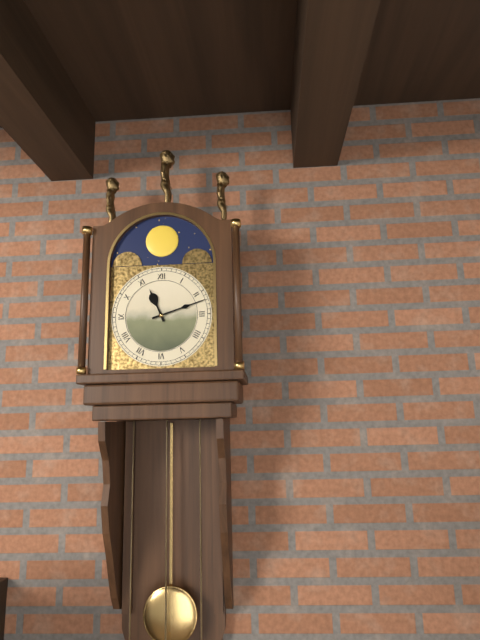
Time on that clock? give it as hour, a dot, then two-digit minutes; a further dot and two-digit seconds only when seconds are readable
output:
11.12
